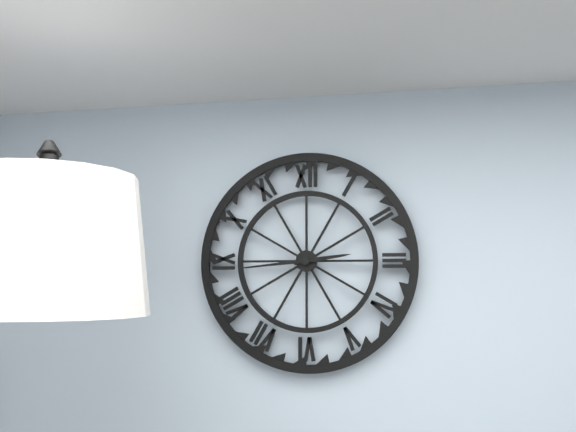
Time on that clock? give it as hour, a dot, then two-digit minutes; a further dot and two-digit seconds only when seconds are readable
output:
2.44
